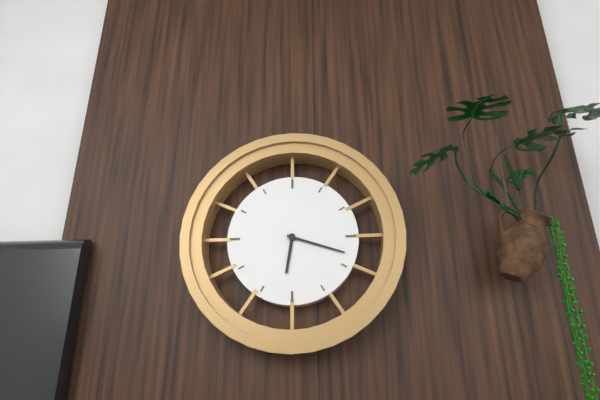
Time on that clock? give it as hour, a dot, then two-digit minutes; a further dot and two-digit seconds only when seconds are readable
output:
6.18
